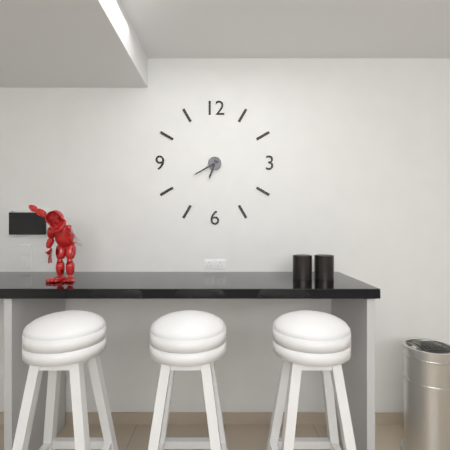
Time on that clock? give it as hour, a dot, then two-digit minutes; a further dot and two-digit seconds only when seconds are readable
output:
6.40
